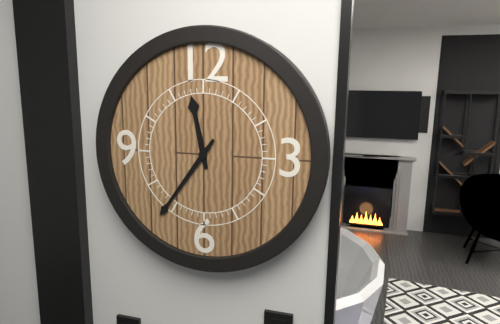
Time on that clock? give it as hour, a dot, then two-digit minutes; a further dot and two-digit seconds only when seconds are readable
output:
11.36
